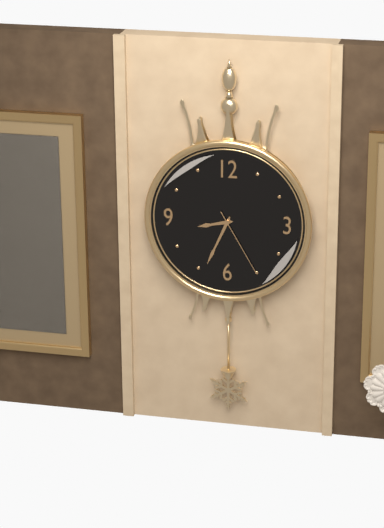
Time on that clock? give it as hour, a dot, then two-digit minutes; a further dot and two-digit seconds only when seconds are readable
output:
8.34.25
